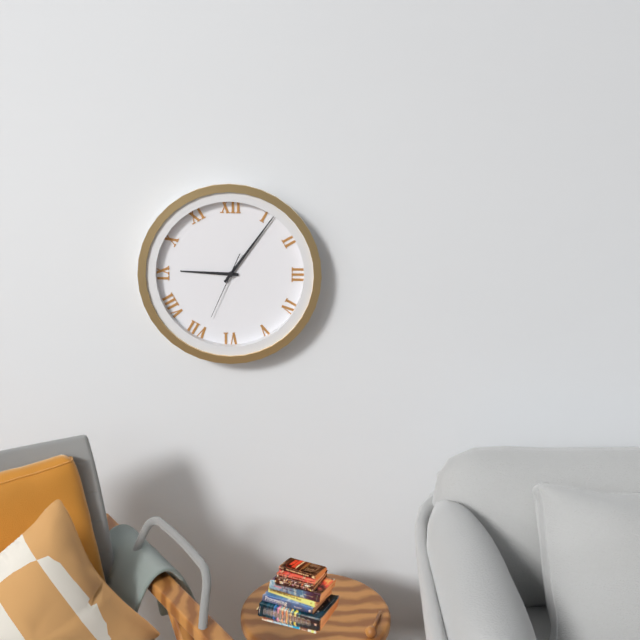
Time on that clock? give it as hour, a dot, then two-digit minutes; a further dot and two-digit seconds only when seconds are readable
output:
9.06.34
